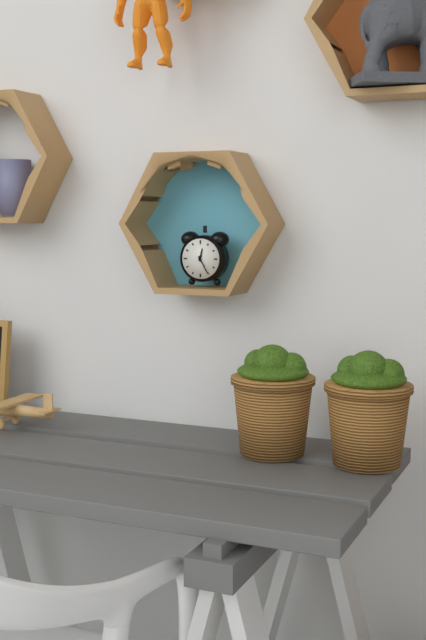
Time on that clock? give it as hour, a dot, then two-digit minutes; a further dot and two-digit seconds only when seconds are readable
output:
12.25
